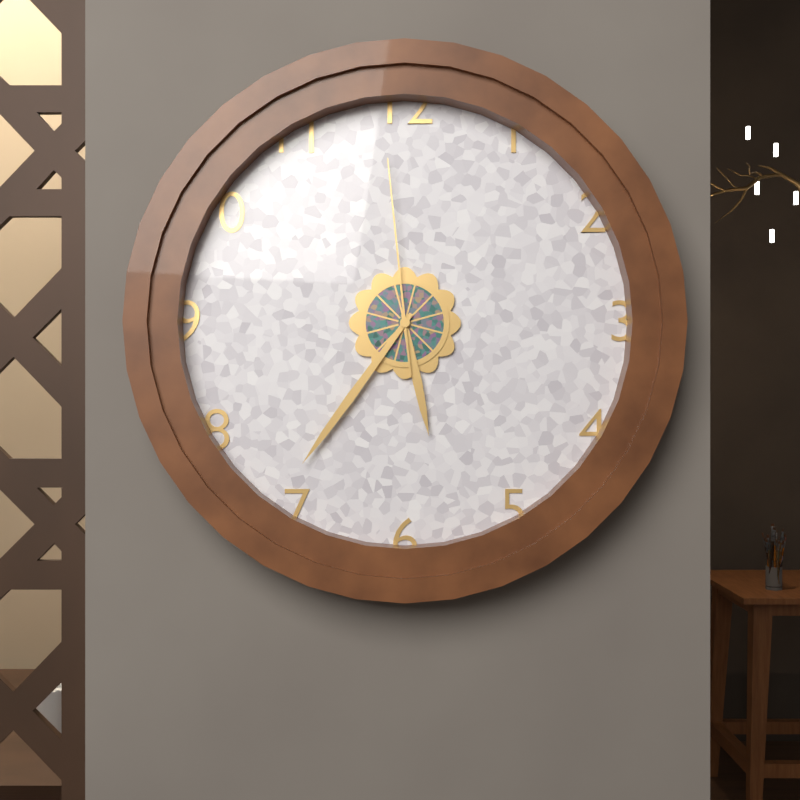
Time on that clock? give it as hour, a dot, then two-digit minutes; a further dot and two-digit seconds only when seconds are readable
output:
5.36.59
